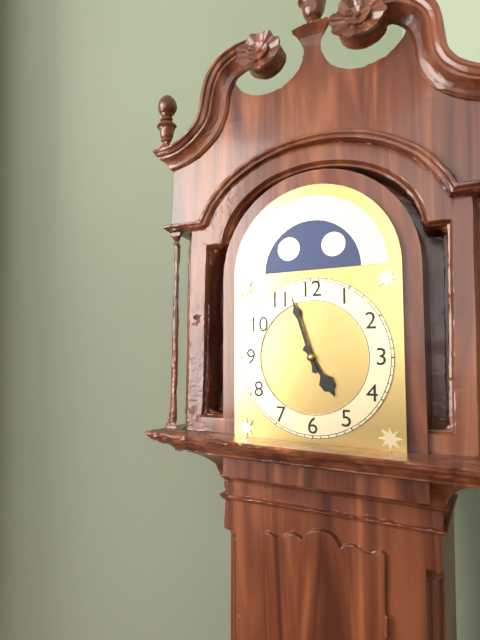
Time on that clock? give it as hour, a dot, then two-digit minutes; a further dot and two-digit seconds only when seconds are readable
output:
4.57
